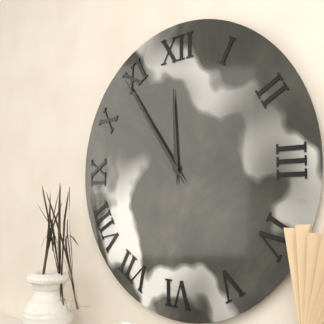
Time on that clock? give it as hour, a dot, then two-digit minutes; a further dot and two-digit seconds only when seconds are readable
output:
11.54
